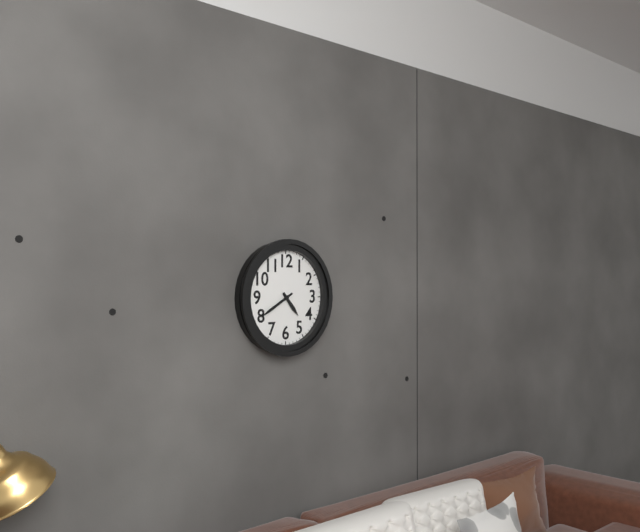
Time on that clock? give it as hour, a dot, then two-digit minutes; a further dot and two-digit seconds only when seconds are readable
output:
4.40
